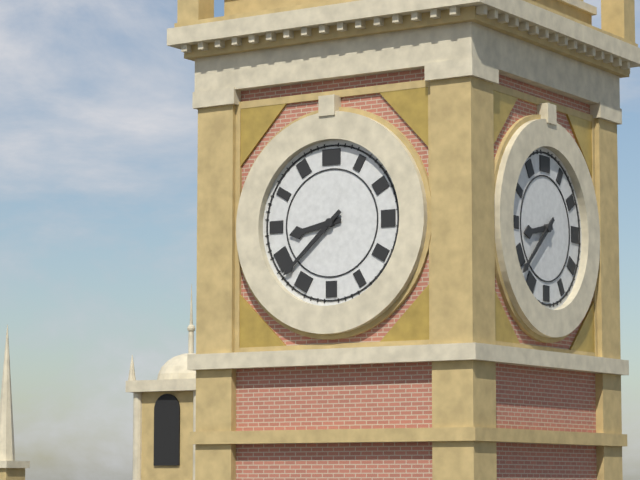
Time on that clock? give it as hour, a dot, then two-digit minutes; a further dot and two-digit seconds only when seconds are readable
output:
8.38
